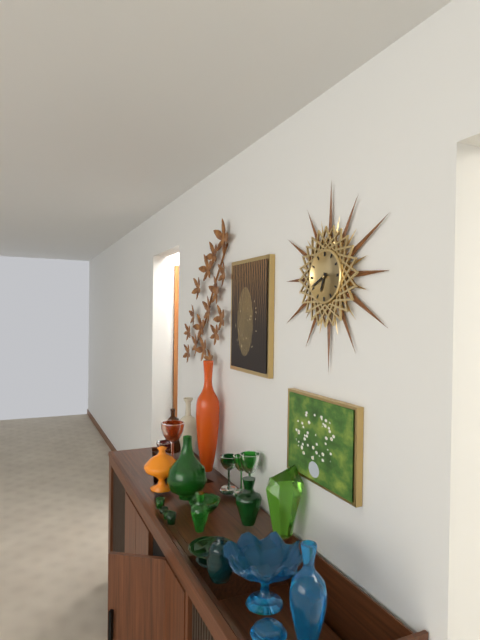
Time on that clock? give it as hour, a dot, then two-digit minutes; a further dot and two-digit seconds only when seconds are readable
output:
6.41
